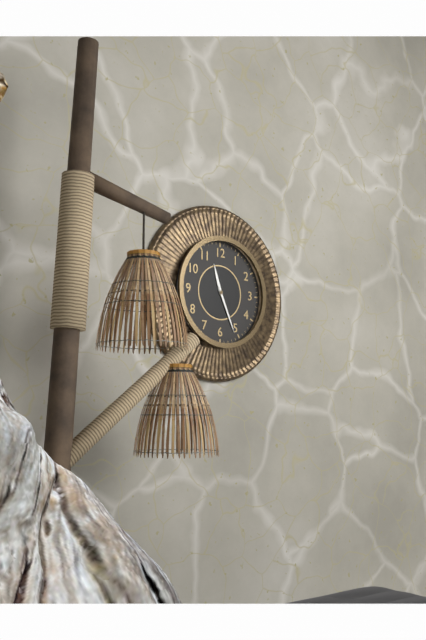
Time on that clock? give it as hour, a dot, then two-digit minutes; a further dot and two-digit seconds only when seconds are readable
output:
11.26
